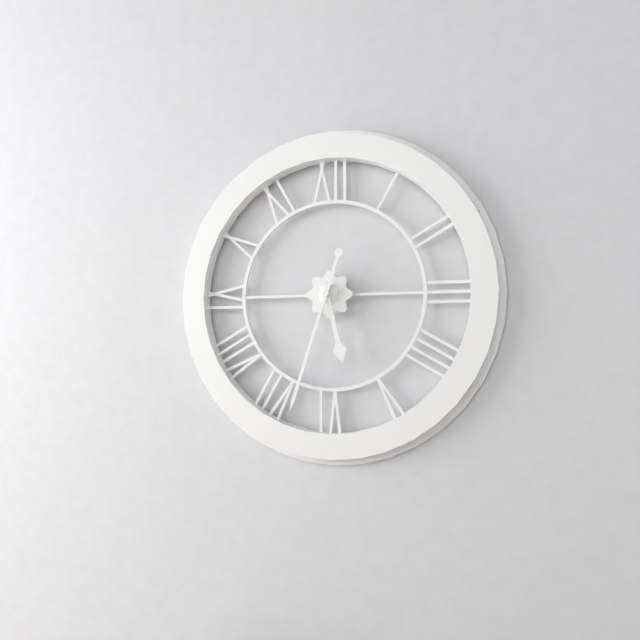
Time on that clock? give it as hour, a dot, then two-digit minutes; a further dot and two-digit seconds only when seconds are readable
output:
5.33
